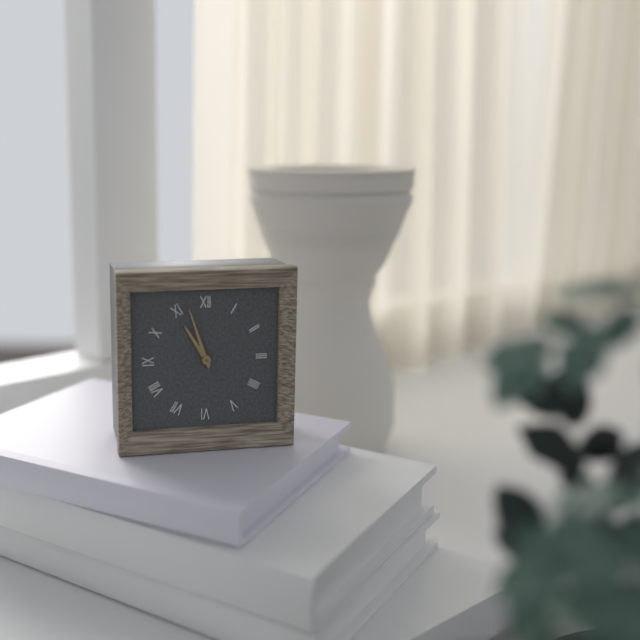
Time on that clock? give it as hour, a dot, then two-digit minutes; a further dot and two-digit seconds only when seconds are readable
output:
10.57
